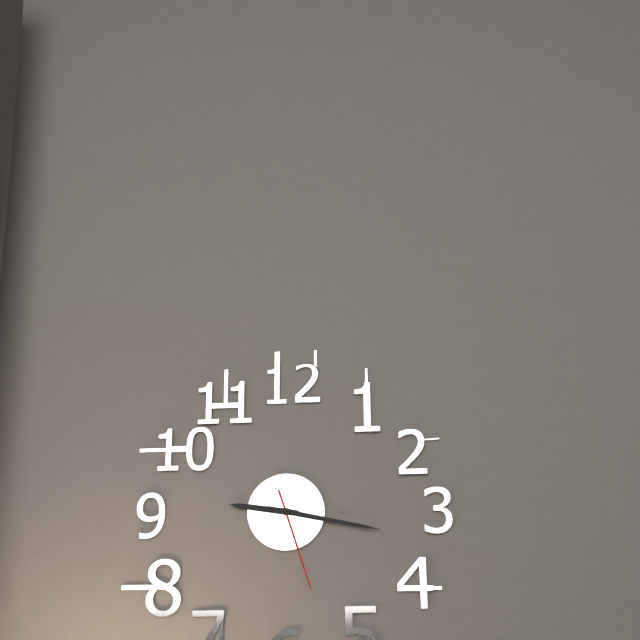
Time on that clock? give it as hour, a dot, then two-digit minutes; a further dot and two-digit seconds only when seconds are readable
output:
9.17.27
